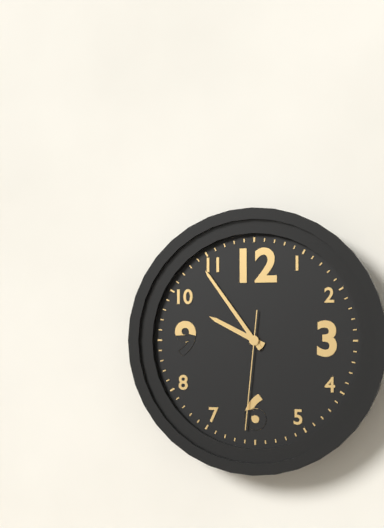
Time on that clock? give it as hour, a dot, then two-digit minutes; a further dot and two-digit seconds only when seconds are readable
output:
9.54.31
